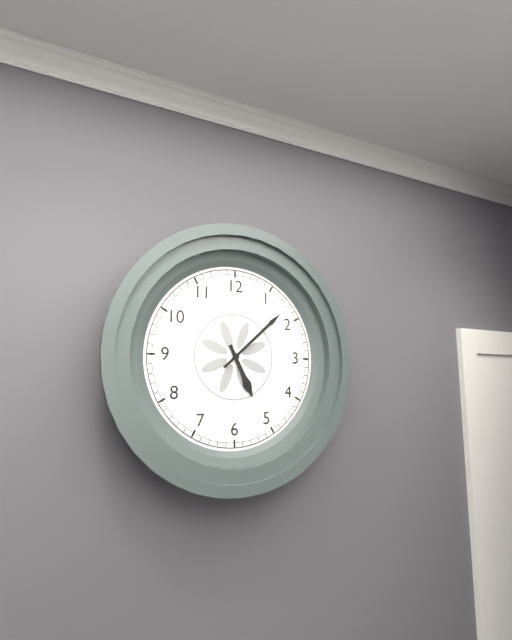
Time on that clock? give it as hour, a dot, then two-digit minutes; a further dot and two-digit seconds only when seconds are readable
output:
5.08
